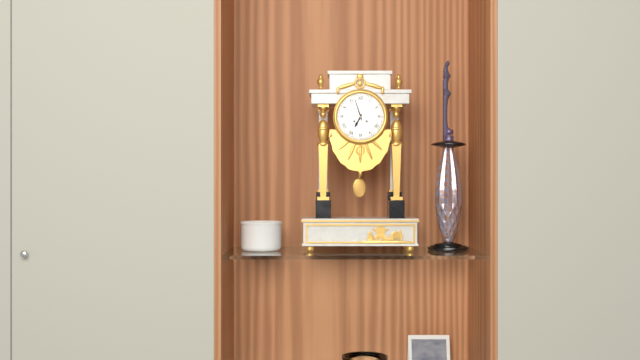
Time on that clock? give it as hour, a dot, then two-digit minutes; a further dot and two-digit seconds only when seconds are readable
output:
6.57
